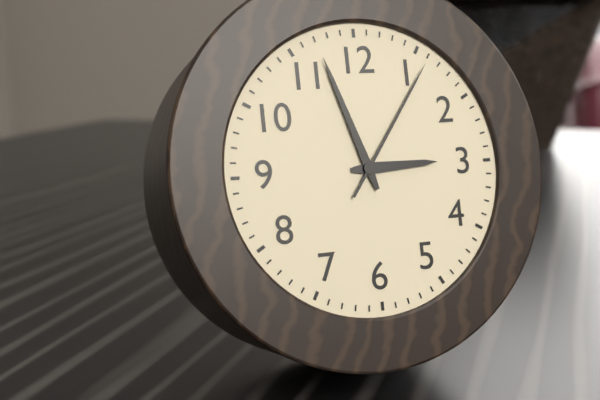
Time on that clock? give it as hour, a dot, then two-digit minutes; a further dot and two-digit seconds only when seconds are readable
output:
2.57.06
